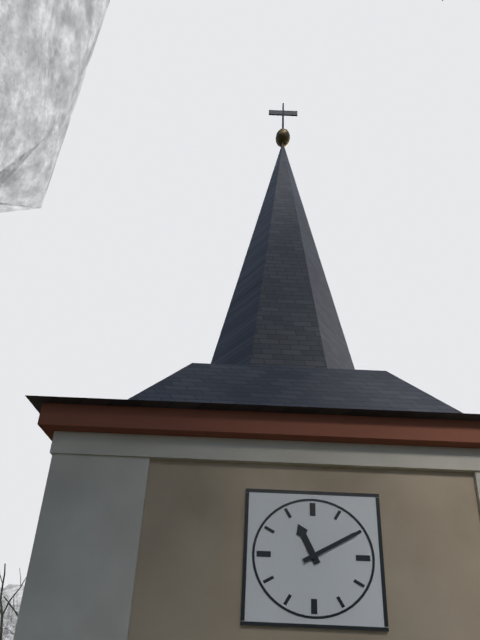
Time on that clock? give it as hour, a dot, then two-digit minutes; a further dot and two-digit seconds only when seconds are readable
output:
11.10
